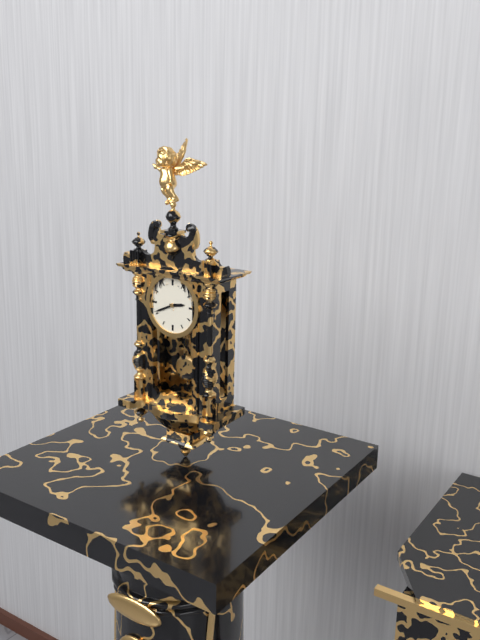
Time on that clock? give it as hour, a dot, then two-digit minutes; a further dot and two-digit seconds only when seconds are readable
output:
2.41
